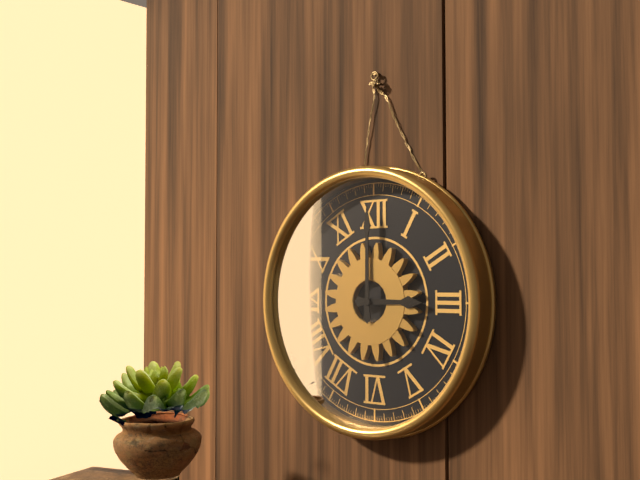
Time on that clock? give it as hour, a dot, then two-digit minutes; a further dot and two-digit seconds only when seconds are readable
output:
3.00
